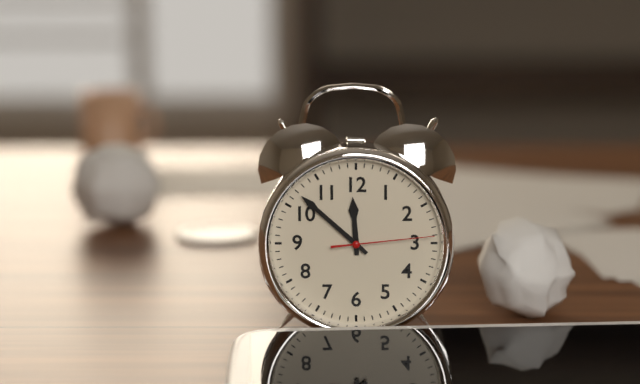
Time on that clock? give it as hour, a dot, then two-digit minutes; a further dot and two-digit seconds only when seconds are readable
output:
11.52.14
